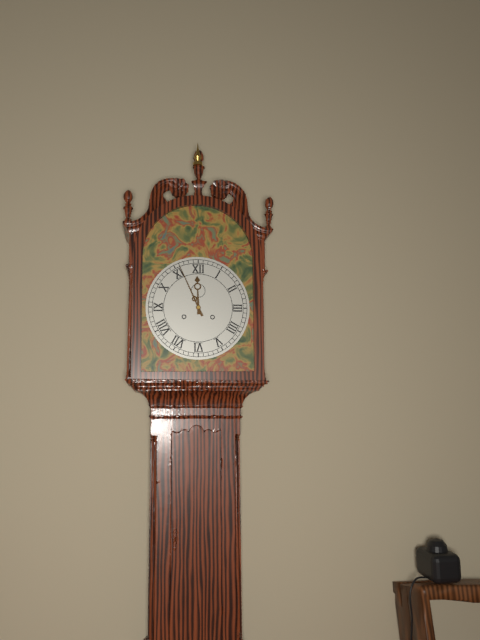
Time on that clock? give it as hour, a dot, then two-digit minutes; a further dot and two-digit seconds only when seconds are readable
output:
11.56
